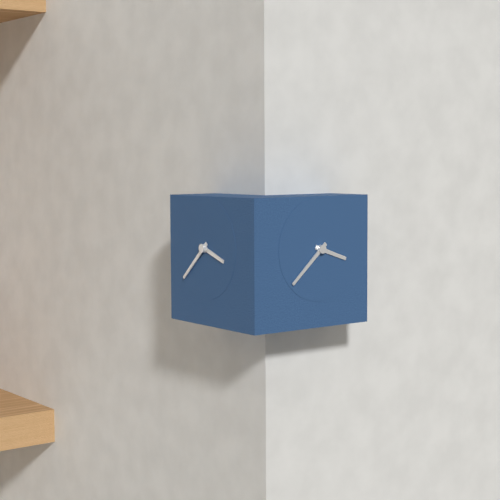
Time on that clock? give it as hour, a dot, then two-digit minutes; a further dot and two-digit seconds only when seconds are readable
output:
3.38
